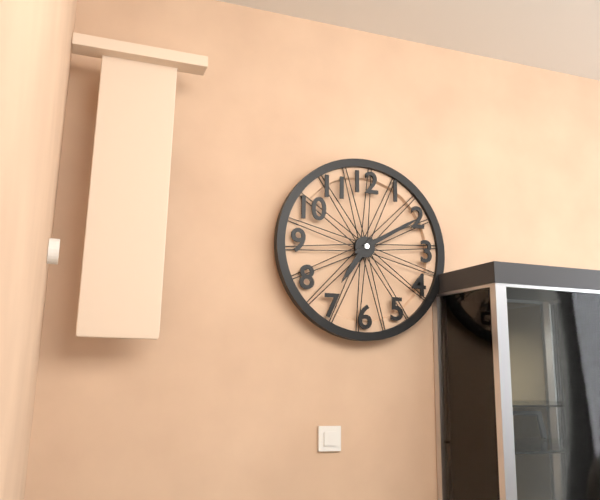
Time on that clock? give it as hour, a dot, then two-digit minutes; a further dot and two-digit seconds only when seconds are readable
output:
7.10
